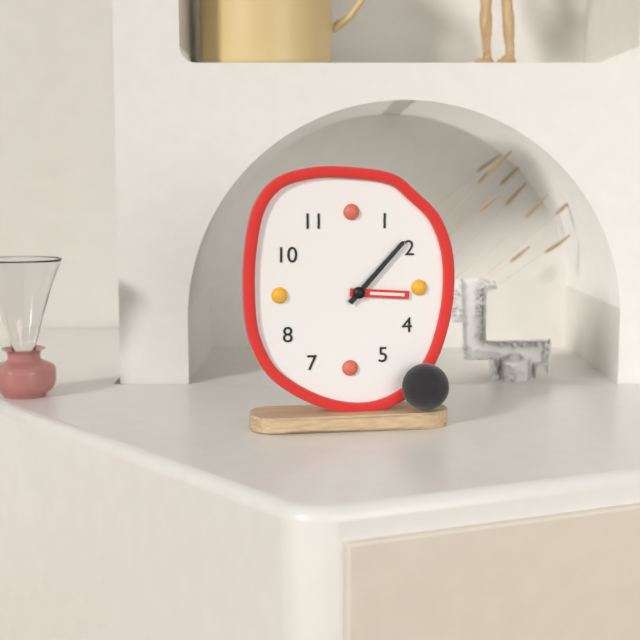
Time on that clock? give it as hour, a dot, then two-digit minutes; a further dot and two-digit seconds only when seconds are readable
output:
3.07
